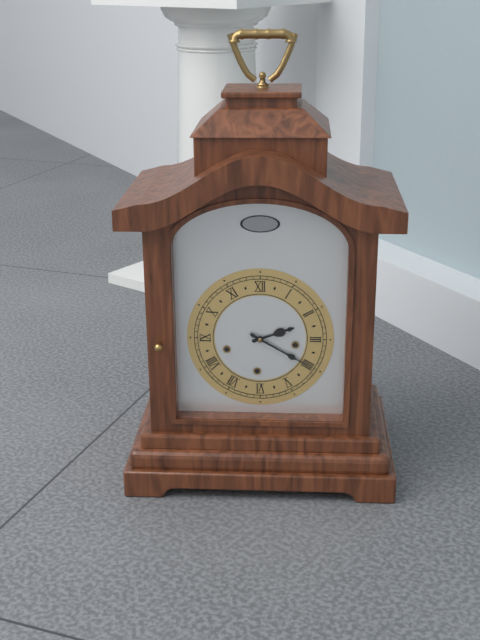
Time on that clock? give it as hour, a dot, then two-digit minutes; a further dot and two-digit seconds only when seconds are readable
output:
2.20
